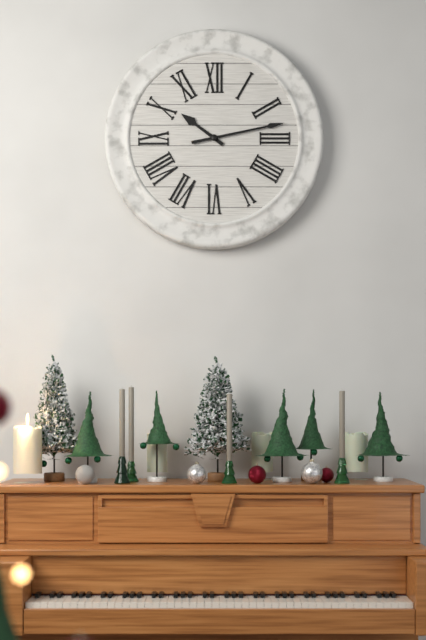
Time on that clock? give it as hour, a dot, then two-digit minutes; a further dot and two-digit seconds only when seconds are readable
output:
10.13
